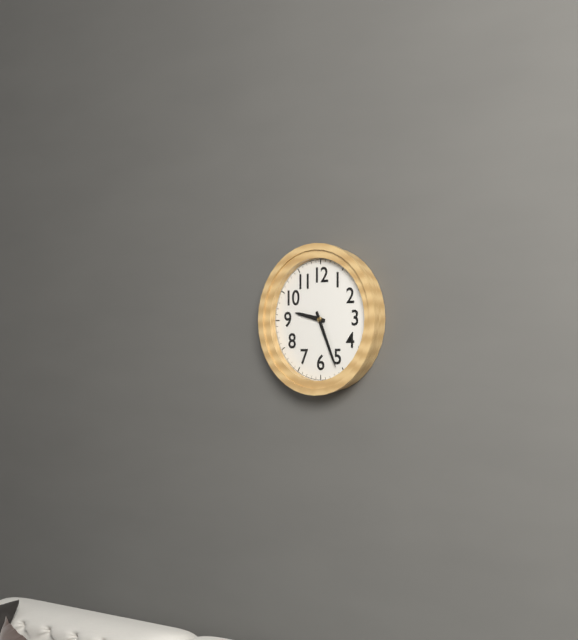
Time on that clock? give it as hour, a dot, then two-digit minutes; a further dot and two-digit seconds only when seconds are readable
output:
9.26
